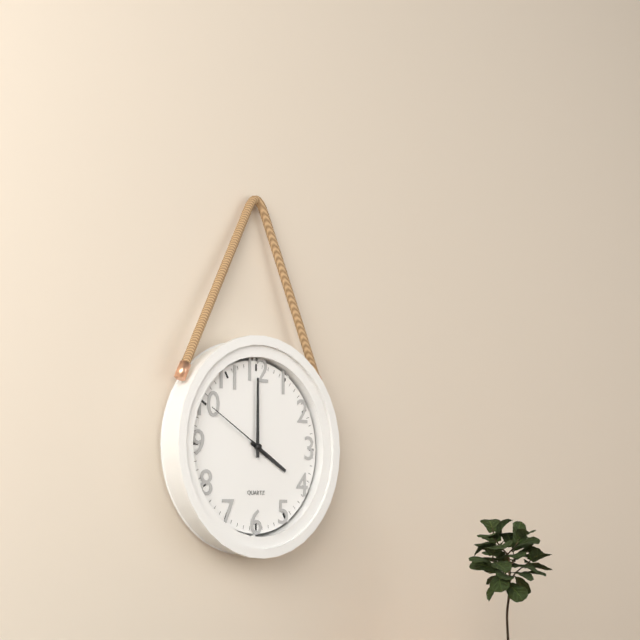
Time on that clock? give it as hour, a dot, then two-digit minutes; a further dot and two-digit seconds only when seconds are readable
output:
4.00.50
